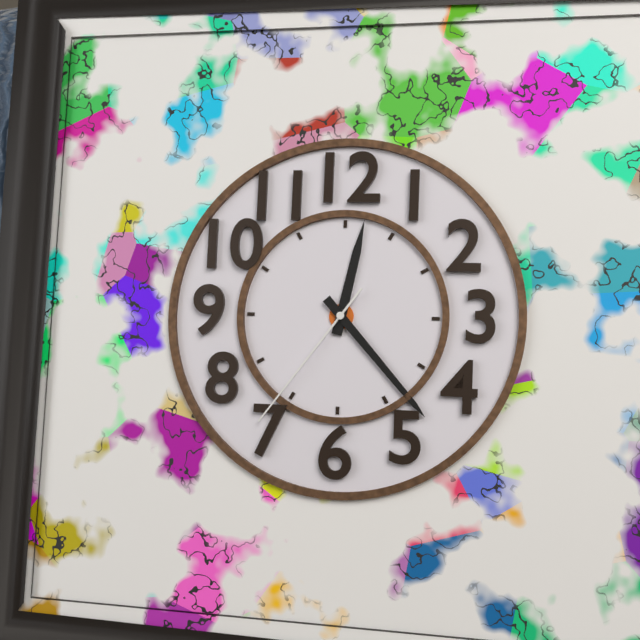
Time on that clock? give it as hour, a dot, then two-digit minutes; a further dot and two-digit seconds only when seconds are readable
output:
12.23.36
